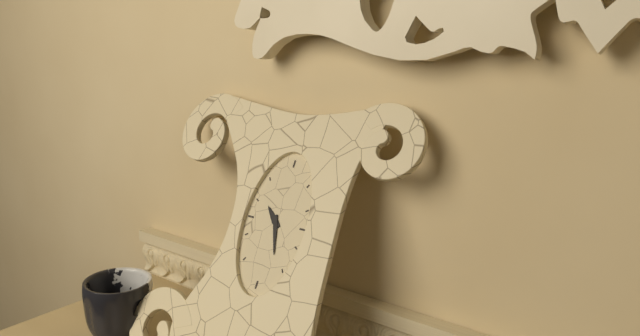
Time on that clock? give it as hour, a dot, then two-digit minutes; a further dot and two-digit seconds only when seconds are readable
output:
10.27
